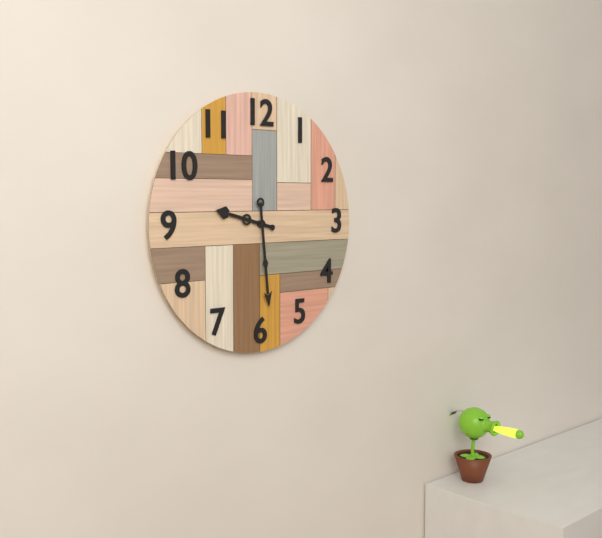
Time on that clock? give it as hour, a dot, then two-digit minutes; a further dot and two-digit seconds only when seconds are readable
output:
9.29
